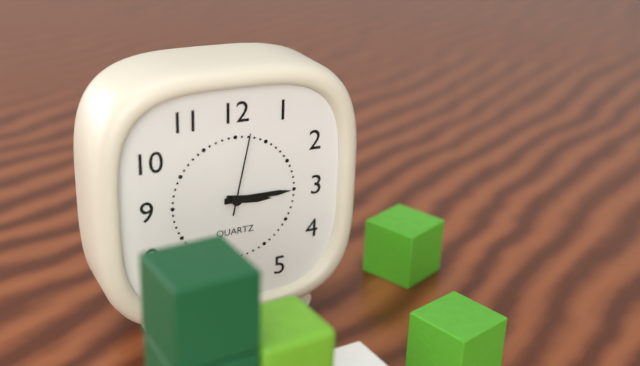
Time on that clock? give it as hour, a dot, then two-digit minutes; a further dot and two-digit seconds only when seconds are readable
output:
3.15.02
